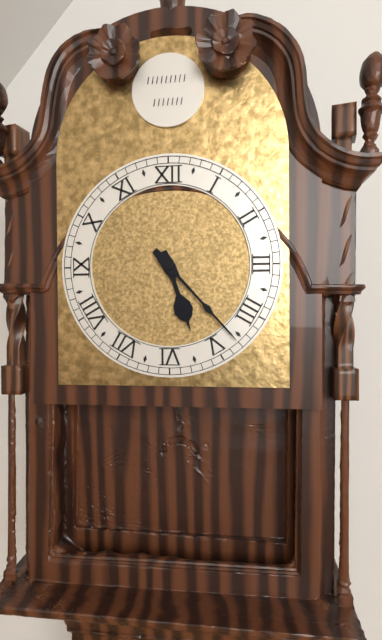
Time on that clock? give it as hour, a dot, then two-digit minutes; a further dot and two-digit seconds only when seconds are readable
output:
5.23
